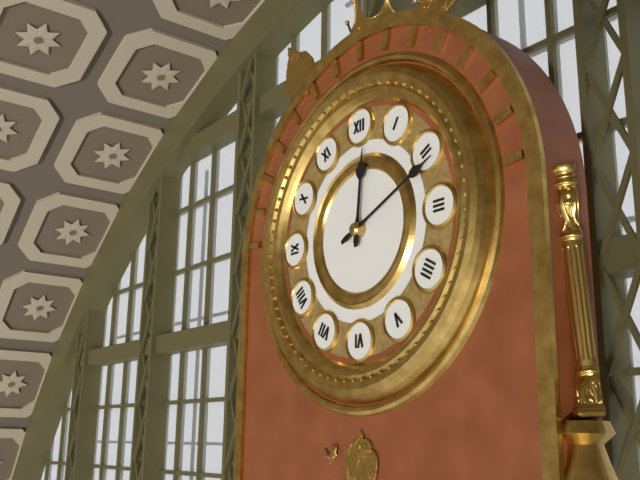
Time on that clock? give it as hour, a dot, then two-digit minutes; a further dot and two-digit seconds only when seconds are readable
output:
12.11
